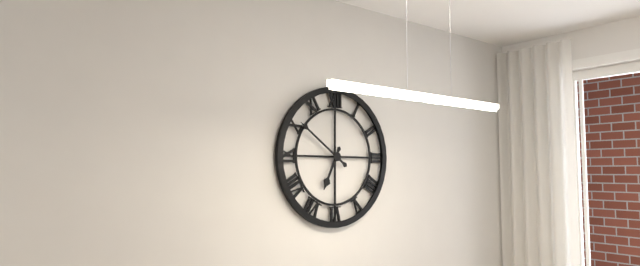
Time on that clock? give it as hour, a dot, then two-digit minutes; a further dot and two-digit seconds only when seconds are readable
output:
6.51
